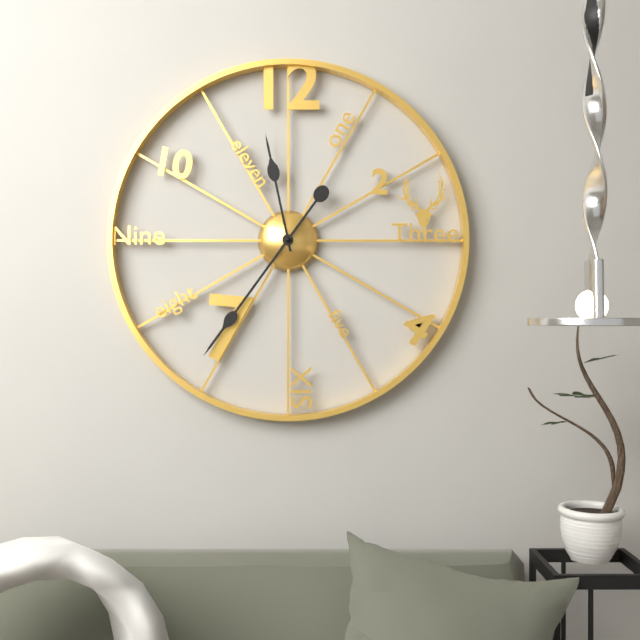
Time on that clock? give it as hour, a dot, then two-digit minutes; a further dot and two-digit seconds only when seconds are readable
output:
11.36
